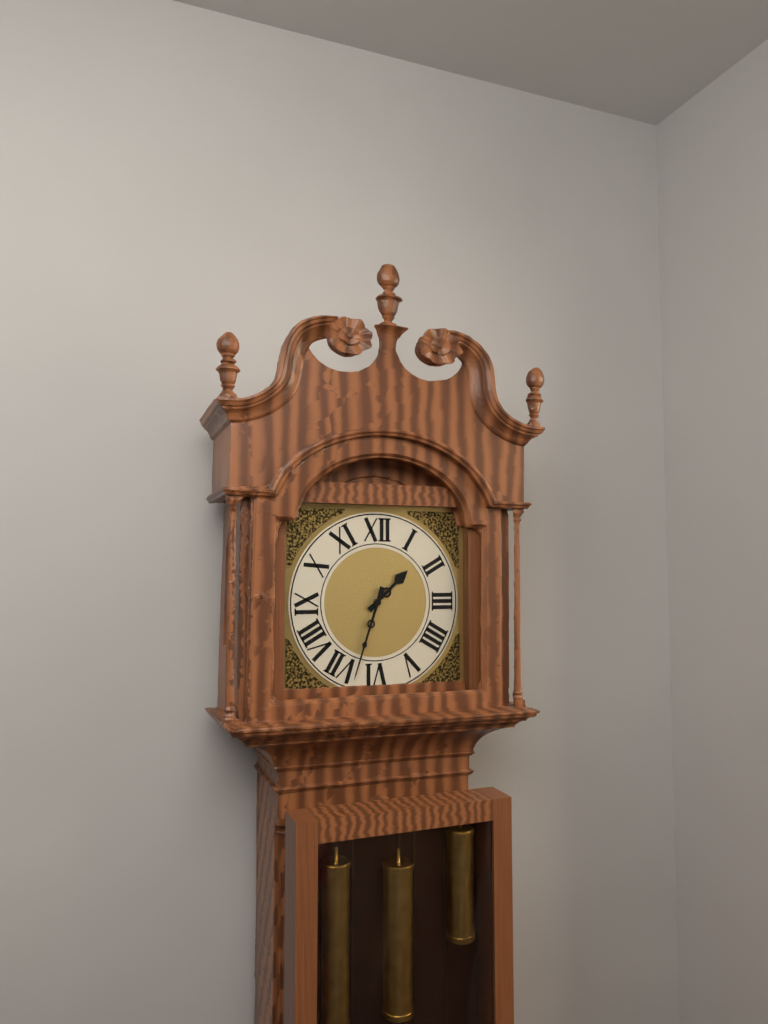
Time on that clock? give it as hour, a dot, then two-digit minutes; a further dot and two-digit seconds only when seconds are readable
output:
1.33
